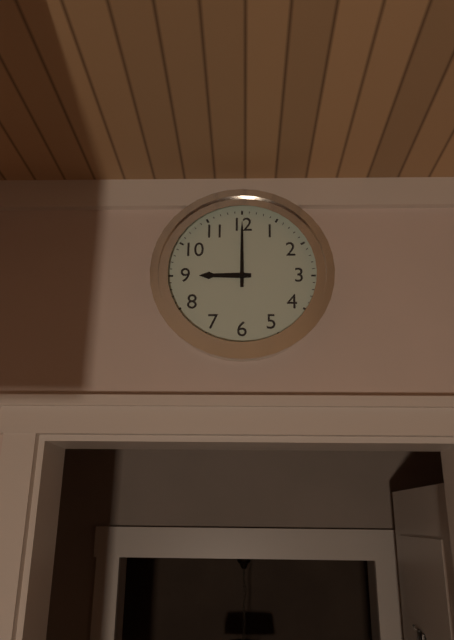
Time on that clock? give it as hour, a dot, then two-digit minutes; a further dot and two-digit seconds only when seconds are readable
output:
9.00
